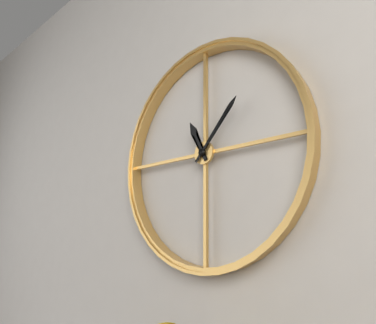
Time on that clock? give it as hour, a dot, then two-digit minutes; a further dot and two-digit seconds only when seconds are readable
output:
11.07
